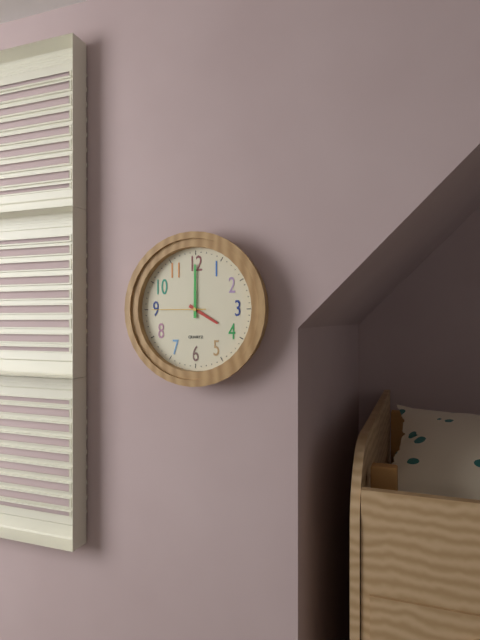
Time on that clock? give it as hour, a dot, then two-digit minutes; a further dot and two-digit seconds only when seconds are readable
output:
4.00.45
